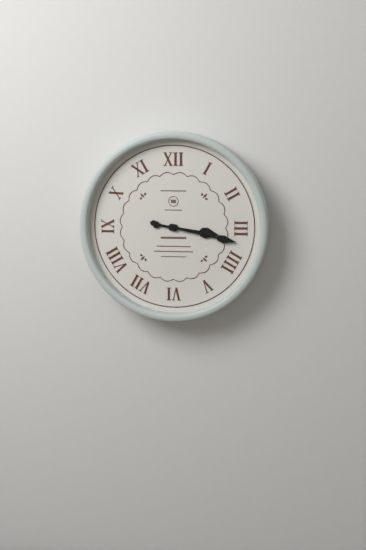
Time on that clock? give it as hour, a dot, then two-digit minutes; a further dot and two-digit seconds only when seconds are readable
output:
3.17
